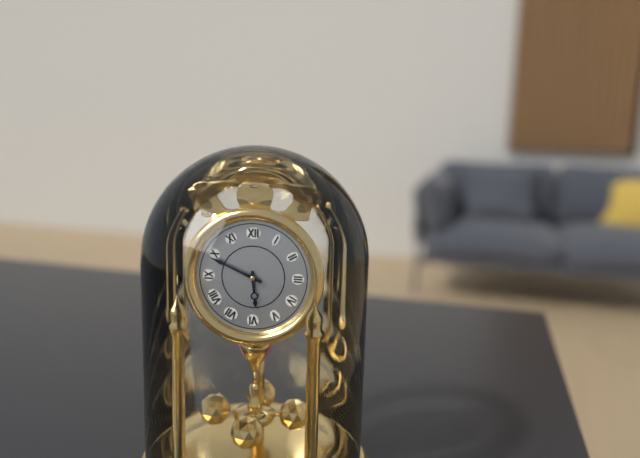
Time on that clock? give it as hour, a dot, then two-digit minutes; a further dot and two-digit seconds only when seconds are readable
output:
5.49
